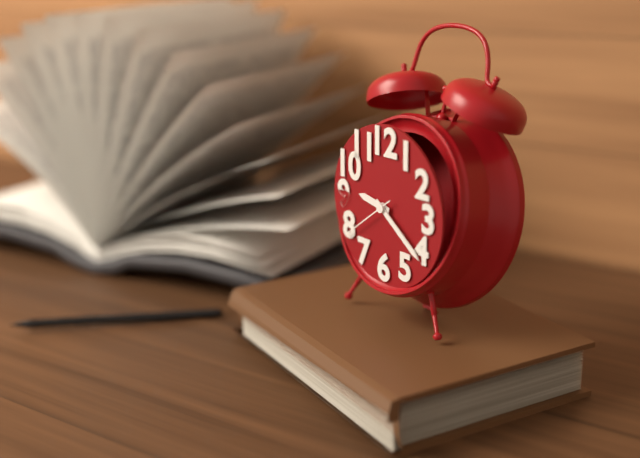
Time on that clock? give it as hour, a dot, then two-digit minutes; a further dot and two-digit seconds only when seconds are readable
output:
9.21.39
